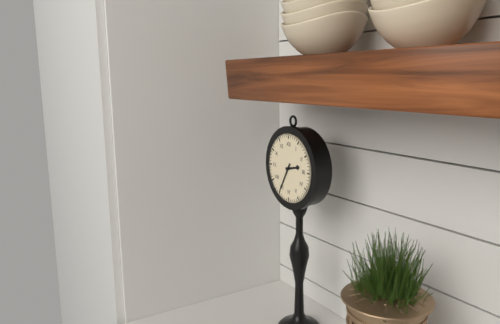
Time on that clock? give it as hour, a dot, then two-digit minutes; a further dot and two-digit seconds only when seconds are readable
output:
2.35
